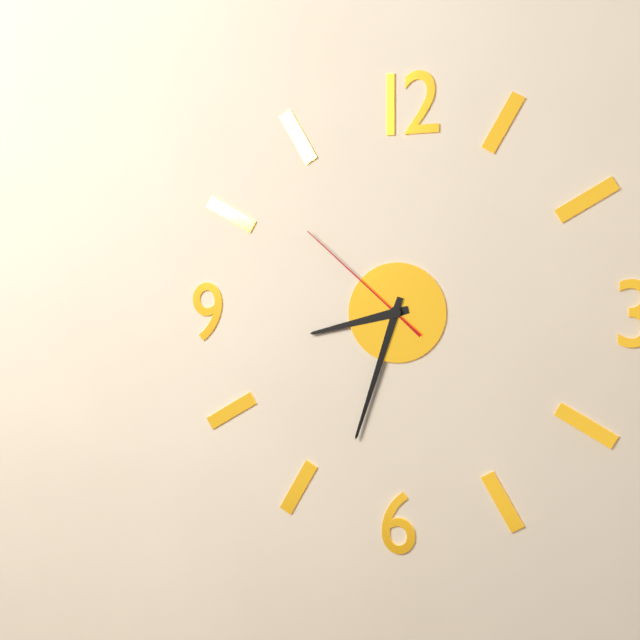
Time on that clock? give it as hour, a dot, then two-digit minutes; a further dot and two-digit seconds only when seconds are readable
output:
8.33.52
